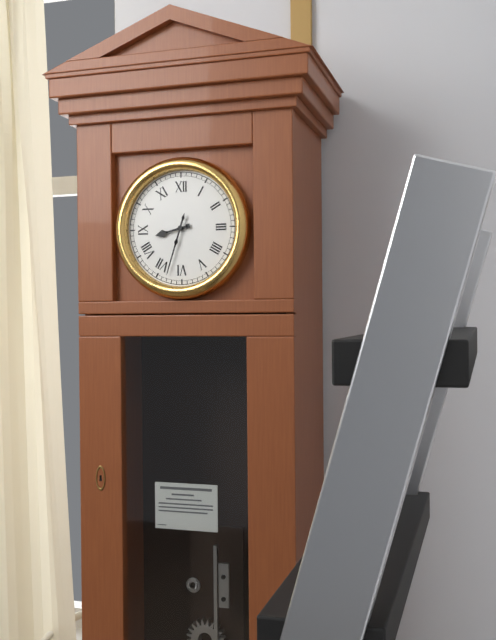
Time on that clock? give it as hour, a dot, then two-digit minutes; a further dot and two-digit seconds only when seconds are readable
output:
8.33
